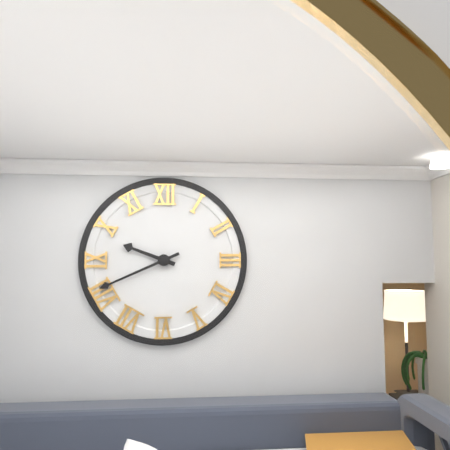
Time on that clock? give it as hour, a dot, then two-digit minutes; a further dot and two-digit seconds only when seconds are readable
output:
9.41
